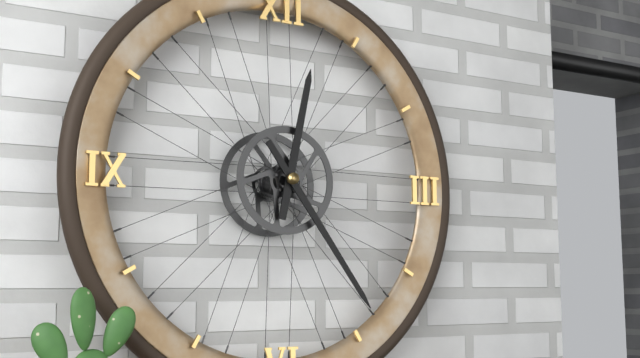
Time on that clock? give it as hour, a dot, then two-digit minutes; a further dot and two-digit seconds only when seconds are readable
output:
12.24
